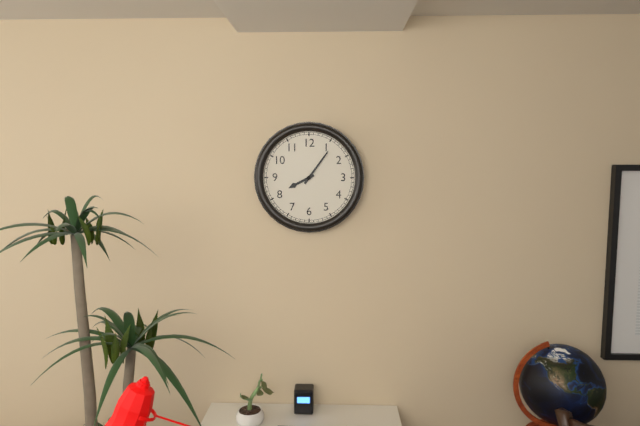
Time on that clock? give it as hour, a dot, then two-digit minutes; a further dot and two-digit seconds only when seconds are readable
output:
8.06
